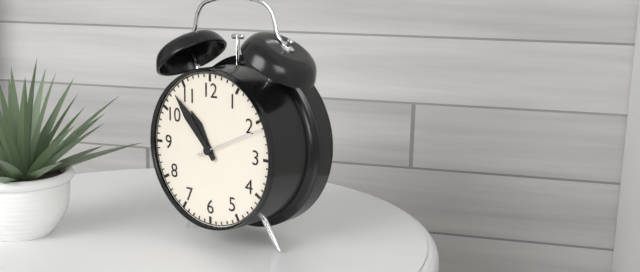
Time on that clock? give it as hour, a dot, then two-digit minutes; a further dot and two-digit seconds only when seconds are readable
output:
10.53
